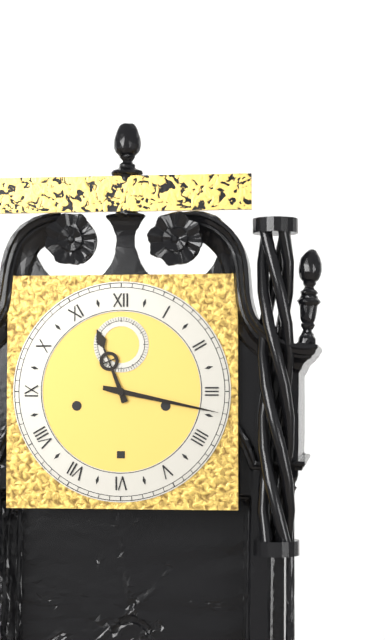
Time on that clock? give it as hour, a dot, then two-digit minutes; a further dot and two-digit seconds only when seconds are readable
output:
11.17
